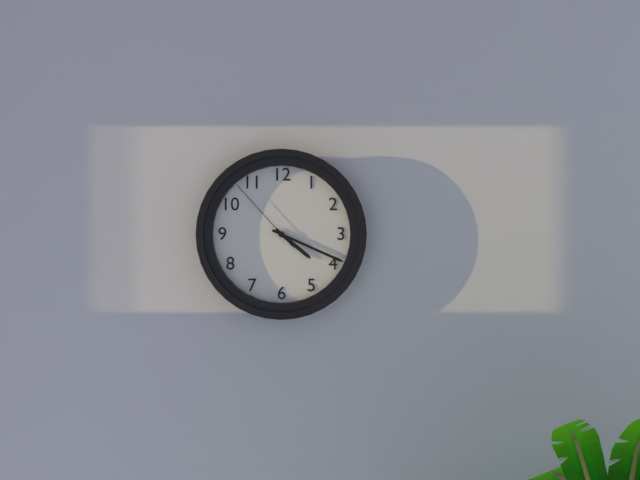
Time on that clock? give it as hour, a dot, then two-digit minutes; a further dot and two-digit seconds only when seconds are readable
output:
4.19.53
